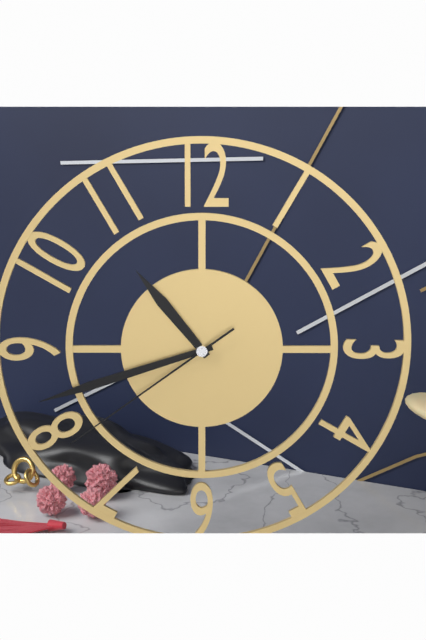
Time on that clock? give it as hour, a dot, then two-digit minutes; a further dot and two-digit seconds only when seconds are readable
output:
10.42.39
